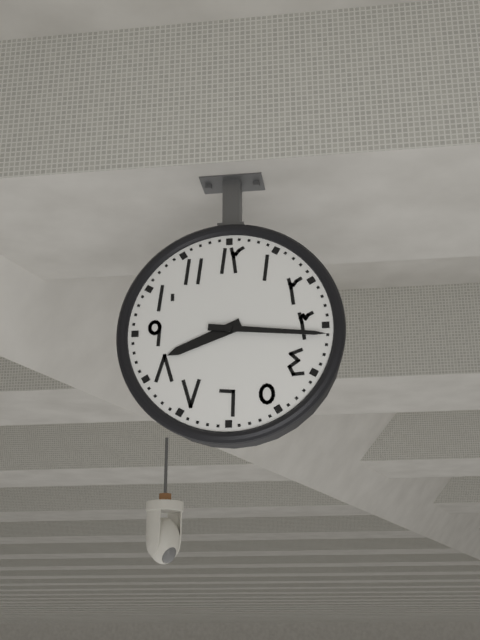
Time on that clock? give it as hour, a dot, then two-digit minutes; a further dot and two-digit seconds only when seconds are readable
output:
8.16
